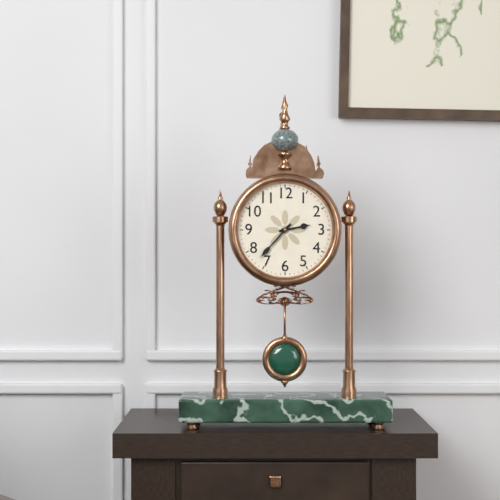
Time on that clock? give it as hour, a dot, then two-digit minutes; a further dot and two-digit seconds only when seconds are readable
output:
2.37
